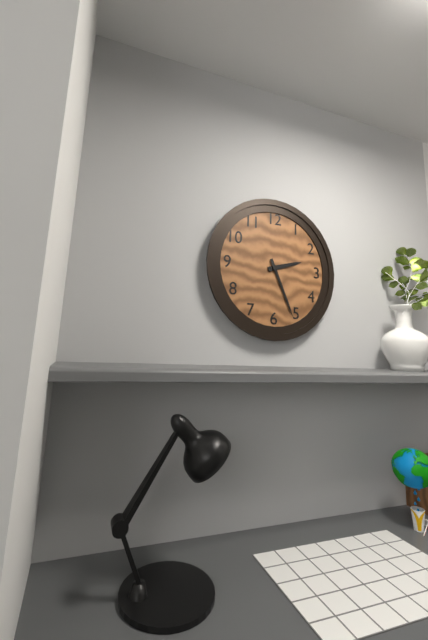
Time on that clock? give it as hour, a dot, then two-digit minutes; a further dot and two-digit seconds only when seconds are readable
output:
2.26
